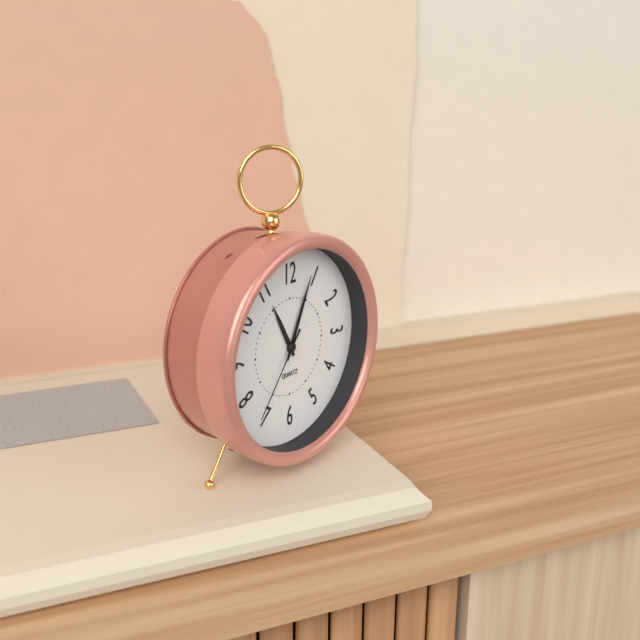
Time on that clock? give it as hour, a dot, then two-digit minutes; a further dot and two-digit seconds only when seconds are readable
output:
11.04.36
